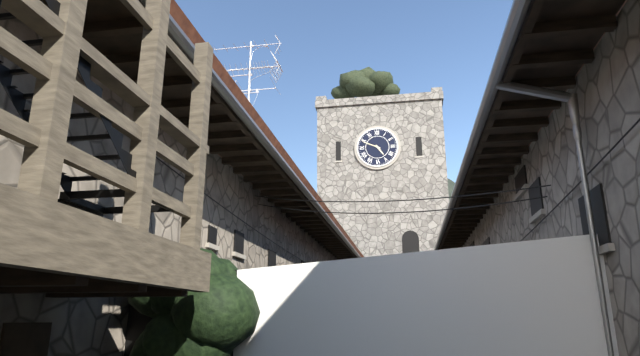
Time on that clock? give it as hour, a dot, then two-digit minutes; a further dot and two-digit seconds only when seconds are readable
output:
4.49
